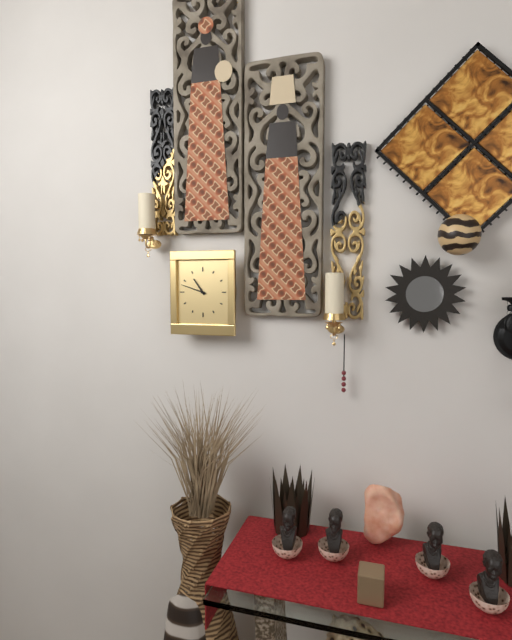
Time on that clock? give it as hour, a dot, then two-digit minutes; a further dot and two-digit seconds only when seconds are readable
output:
10.48
